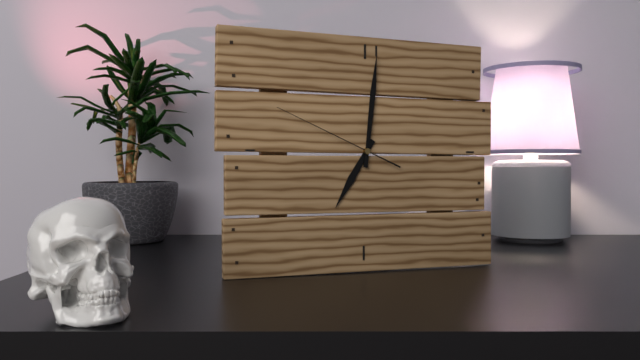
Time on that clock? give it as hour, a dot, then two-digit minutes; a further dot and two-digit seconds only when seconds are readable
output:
7.01.49
